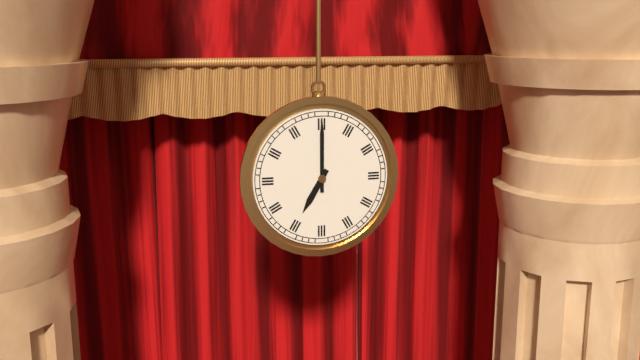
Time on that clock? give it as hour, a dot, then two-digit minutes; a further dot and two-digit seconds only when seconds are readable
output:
7.00
